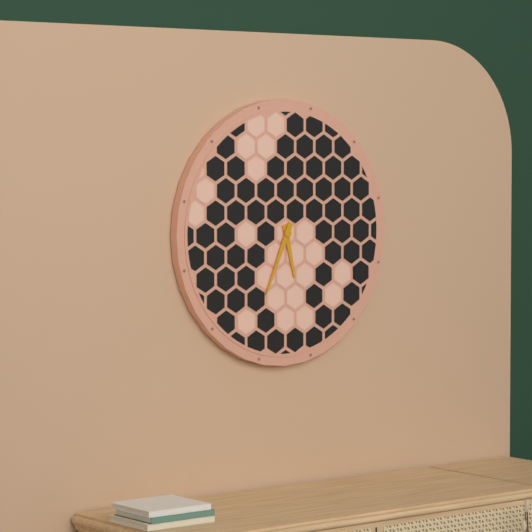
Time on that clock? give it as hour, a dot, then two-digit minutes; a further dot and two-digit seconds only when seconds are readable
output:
5.34
